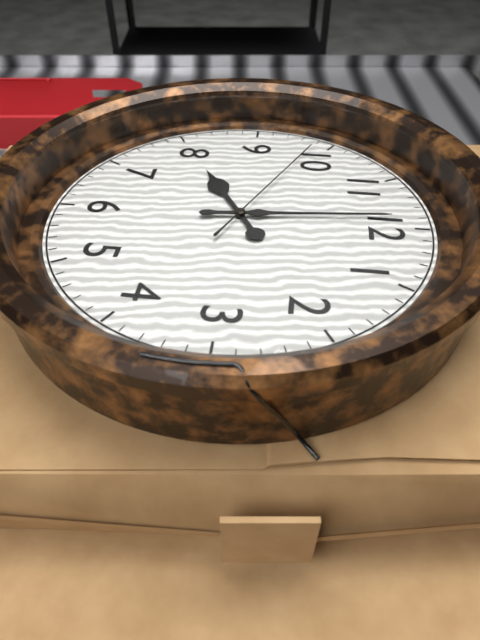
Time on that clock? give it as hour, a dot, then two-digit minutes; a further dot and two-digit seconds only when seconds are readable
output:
7.59.49
